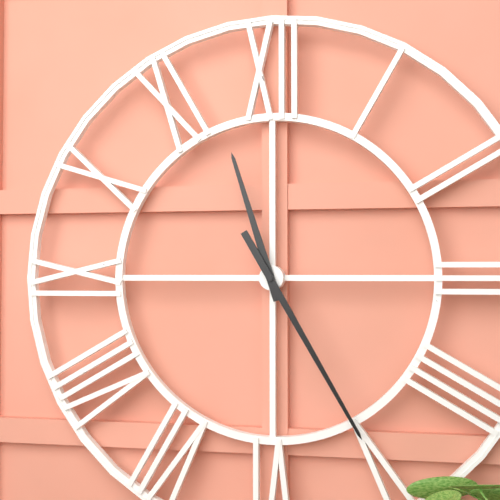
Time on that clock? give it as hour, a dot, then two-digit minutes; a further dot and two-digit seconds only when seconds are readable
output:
11.25
